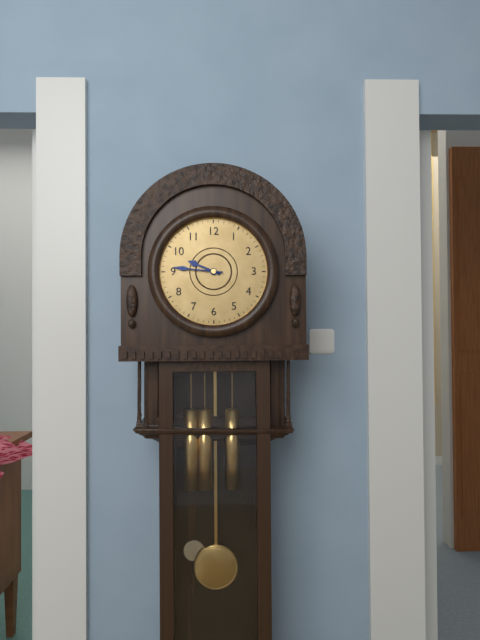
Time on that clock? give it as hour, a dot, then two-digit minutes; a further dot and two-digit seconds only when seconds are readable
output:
9.46
